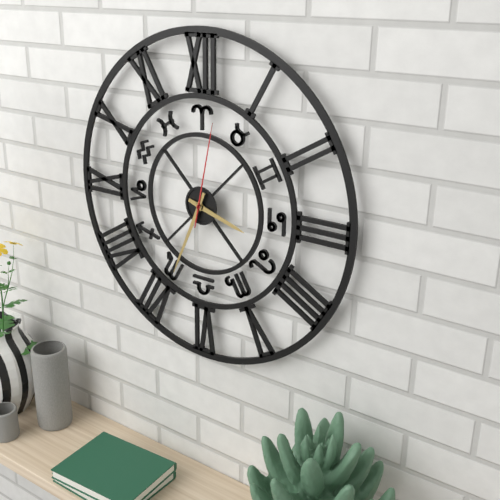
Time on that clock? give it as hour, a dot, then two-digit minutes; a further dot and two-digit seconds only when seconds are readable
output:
3.34.02
